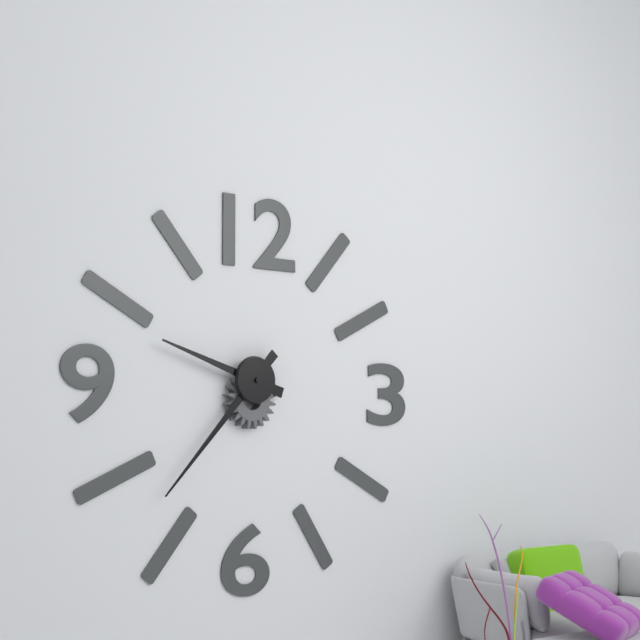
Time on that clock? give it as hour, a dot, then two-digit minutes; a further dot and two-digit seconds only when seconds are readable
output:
9.37
